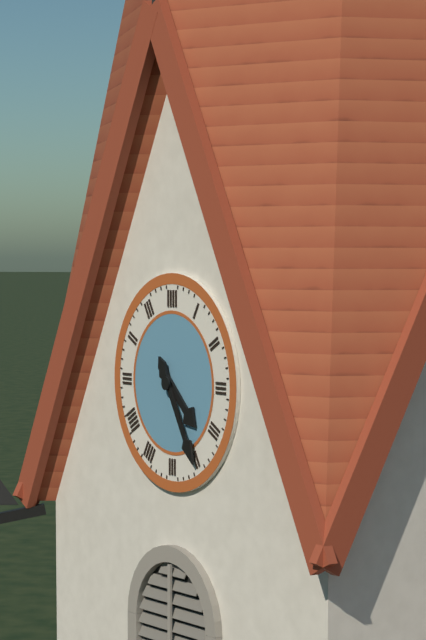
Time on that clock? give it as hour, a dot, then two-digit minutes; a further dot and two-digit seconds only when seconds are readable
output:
4.25
